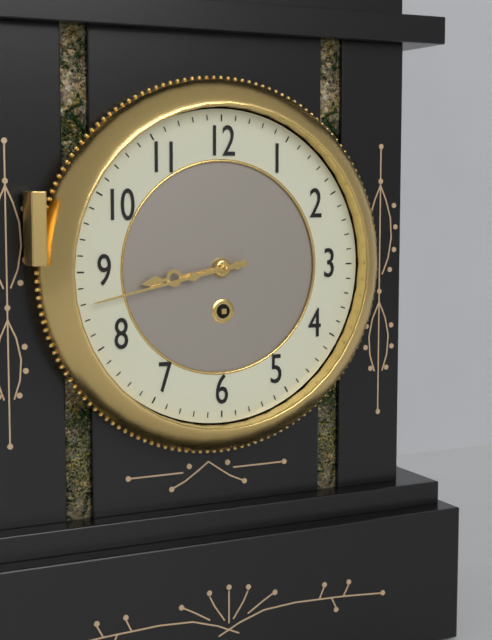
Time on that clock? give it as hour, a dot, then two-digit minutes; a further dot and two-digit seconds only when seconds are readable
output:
8.43
